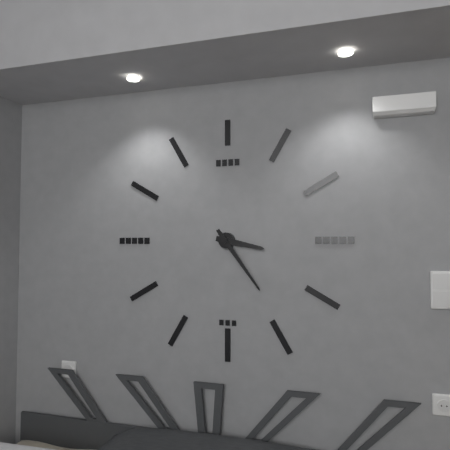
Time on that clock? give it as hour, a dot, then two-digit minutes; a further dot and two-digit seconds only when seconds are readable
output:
3.24
